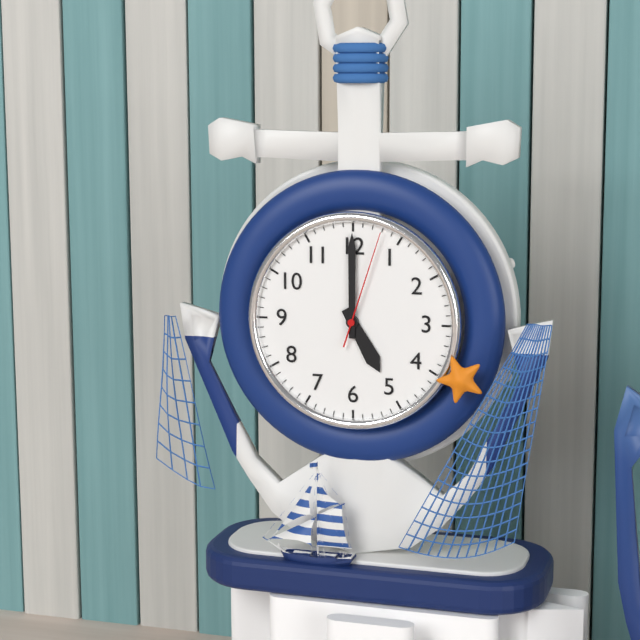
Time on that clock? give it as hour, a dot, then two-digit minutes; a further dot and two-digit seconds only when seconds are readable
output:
5.00.03
